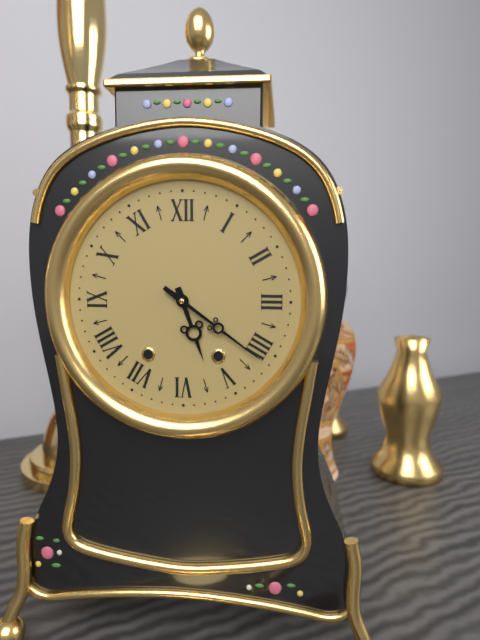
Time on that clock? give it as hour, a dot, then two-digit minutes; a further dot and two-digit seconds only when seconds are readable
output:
5.21
